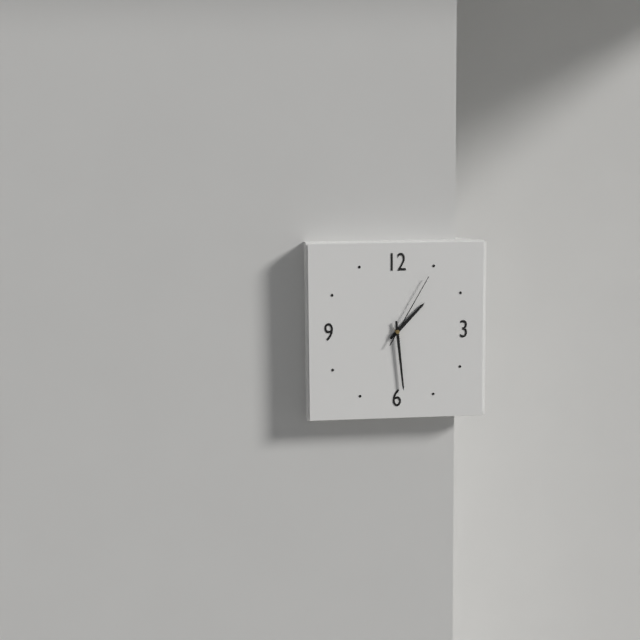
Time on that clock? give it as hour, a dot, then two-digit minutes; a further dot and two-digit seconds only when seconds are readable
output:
1.29.05
